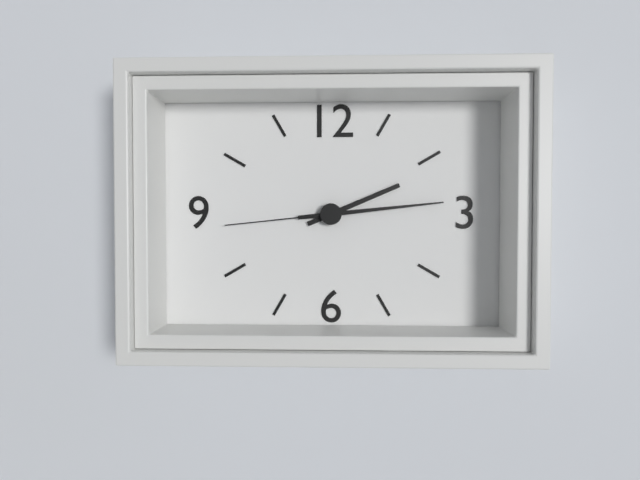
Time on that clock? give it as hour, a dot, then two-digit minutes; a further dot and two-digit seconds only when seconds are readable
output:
2.14.44
